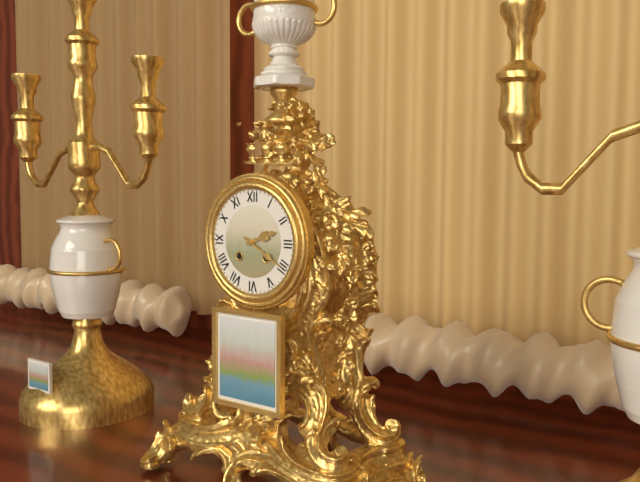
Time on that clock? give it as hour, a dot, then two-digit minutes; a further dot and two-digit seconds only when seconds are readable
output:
2.20
